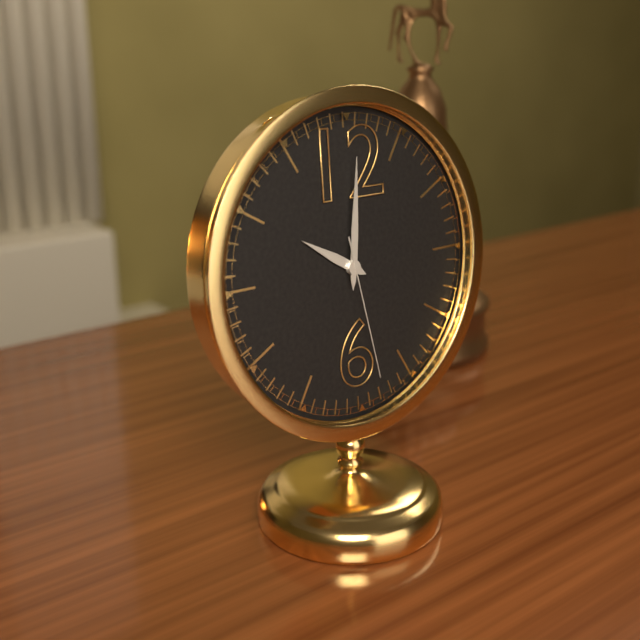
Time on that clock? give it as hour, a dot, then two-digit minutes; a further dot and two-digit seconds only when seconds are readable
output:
10.01.28
